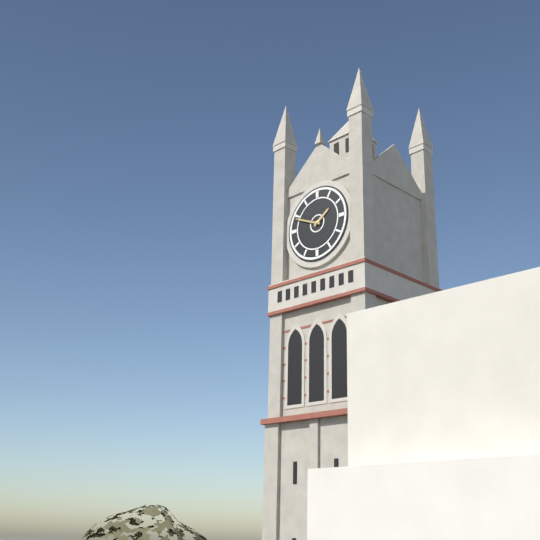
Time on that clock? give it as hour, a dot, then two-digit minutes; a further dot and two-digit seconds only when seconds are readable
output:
1.49
